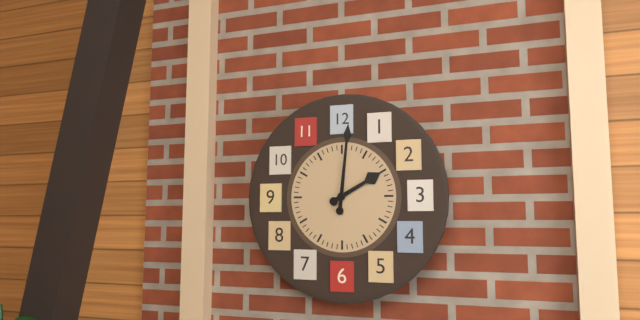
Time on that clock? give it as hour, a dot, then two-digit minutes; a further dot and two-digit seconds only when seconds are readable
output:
2.01
